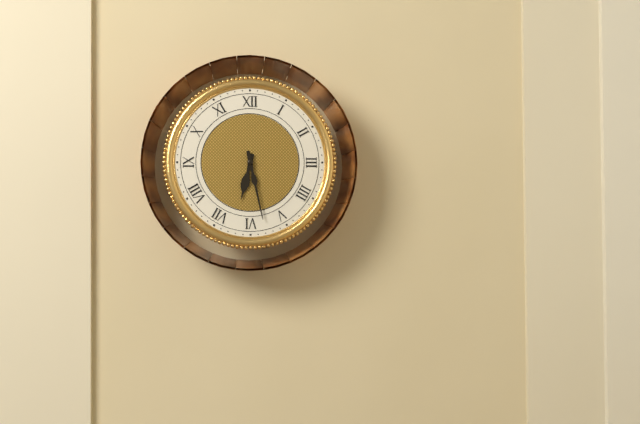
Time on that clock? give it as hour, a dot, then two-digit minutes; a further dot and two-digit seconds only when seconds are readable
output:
6.28
